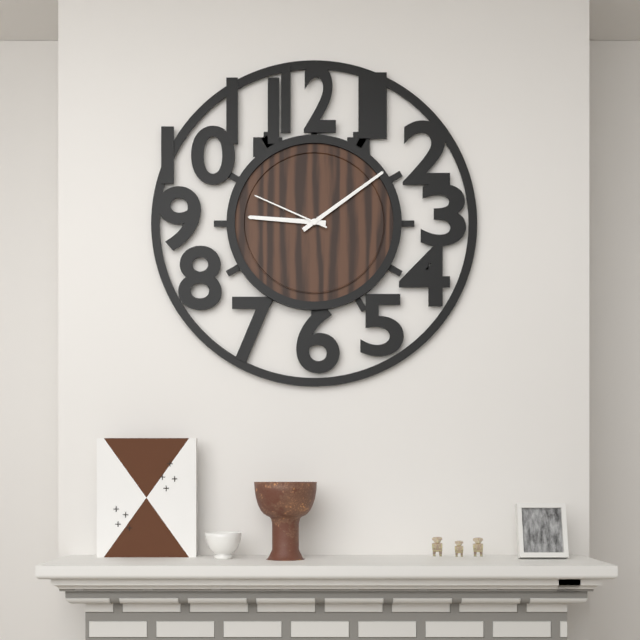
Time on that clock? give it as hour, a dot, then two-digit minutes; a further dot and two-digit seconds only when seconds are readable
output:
9.09.49
